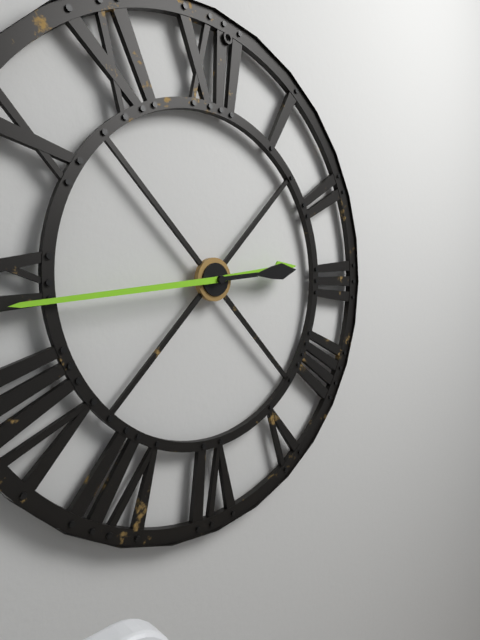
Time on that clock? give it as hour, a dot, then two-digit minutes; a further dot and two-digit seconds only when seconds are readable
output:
2.44
